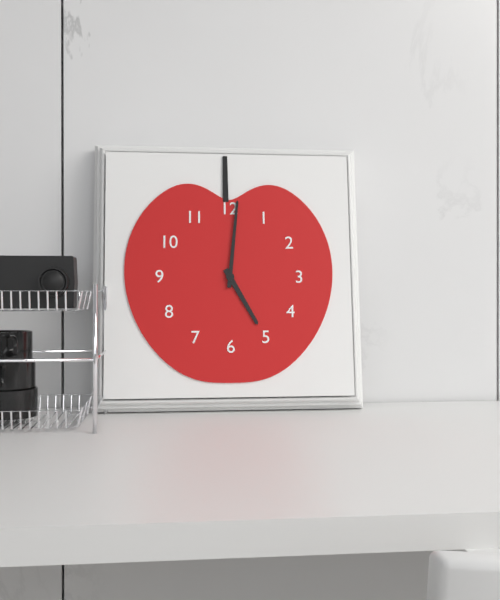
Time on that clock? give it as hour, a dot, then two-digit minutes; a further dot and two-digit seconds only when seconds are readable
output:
5.01
